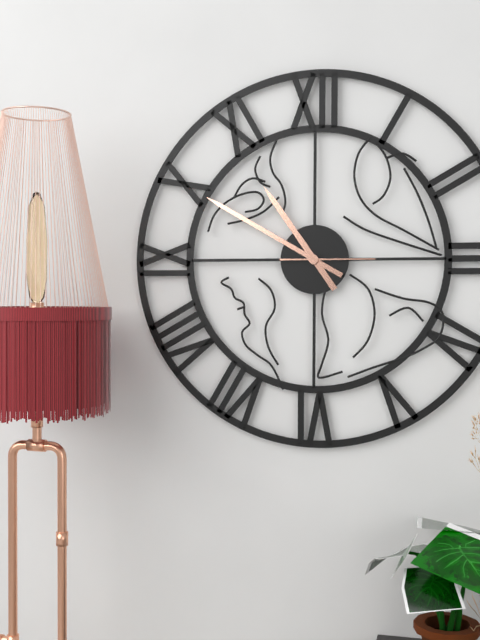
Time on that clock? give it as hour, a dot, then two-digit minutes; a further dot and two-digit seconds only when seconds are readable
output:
10.50.15
